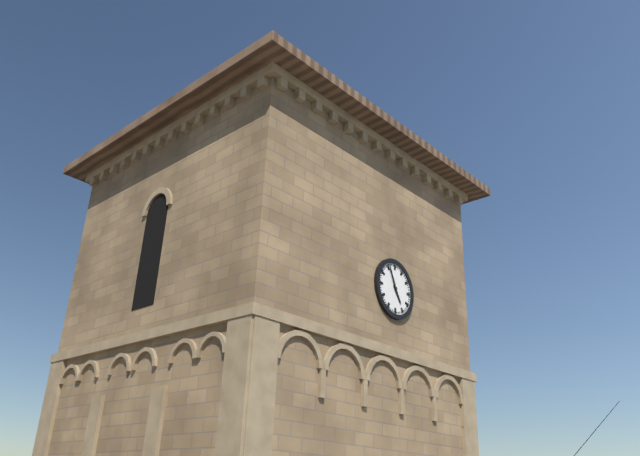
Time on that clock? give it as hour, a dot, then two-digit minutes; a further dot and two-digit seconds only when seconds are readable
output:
4.56
